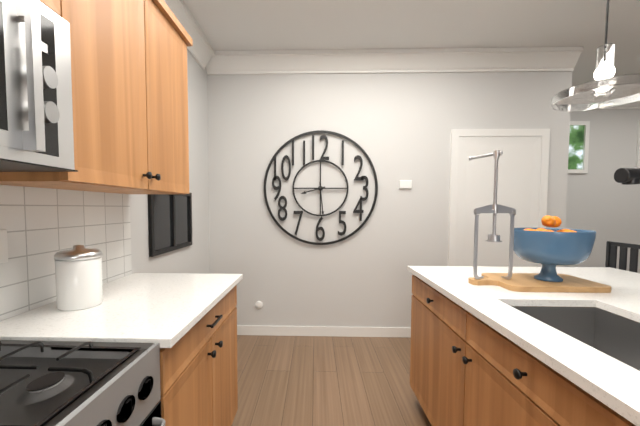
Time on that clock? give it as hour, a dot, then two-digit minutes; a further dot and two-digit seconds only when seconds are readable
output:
8.29
